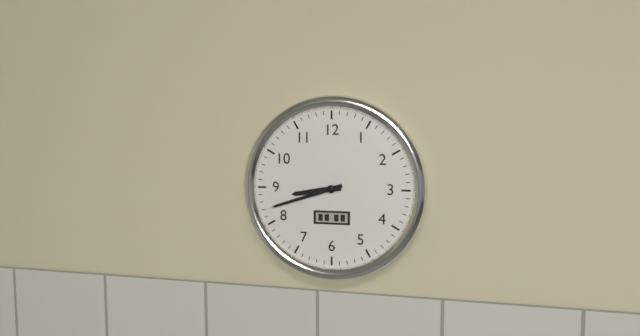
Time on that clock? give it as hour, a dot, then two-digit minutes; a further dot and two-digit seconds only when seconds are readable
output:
8.42
